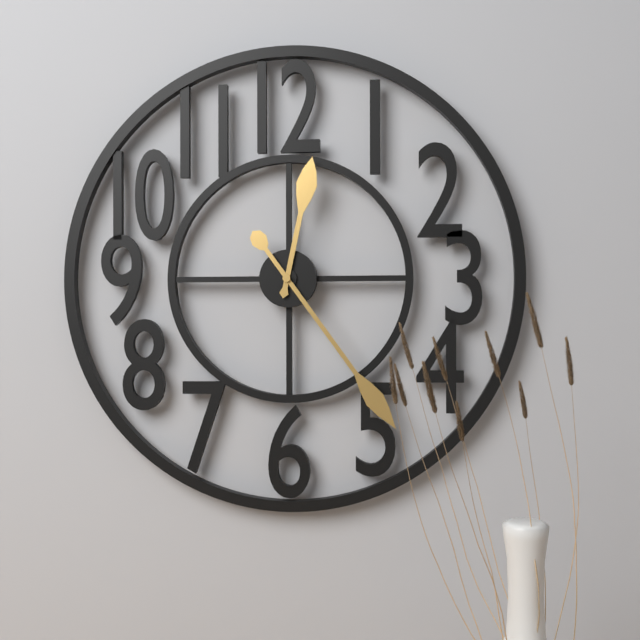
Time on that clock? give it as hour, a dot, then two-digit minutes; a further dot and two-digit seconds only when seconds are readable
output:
12.24
